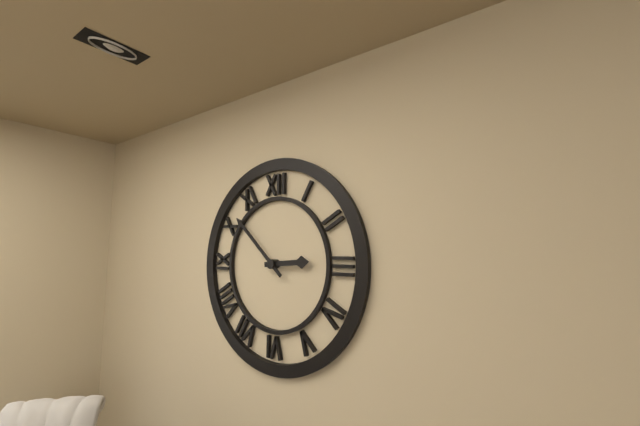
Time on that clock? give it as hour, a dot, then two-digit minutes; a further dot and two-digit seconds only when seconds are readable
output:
2.52
